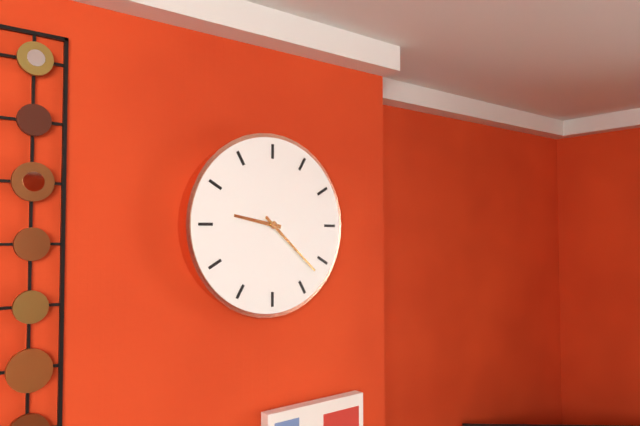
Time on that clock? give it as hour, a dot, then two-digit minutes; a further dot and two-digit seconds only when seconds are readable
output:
9.22
